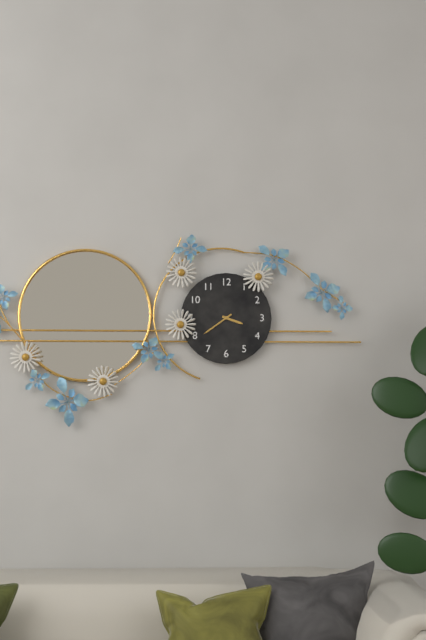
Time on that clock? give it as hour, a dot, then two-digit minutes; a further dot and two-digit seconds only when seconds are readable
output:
3.39
